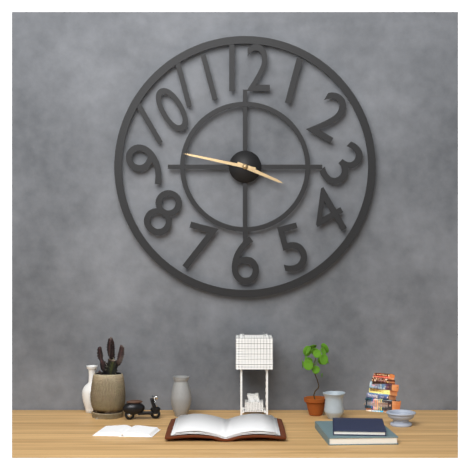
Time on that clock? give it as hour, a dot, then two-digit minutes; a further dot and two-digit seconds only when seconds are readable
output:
3.47
